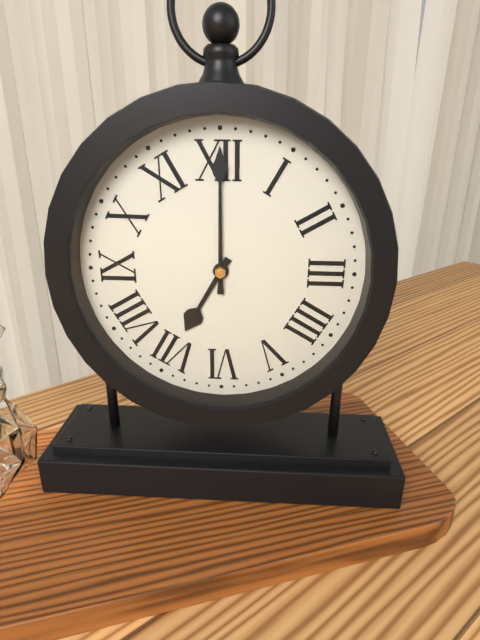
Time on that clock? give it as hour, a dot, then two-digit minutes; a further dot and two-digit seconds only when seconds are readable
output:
7.00
